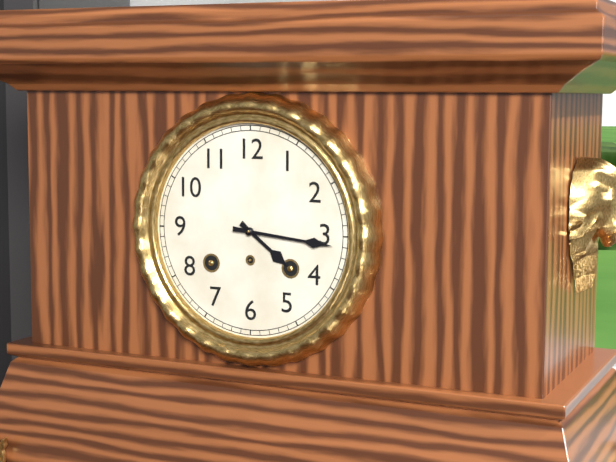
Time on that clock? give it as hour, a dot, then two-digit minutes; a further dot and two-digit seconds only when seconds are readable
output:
4.16
